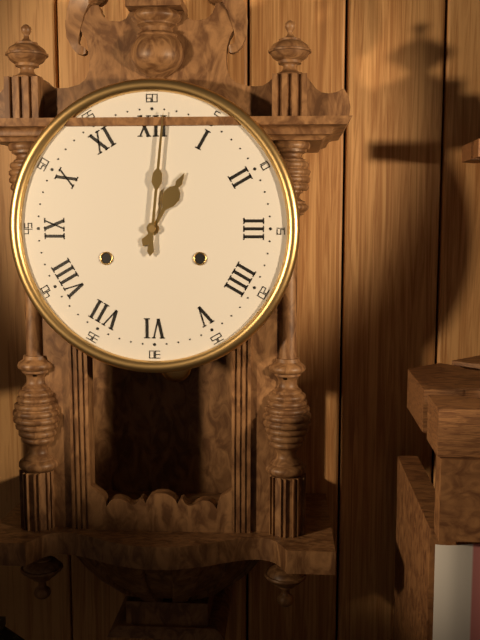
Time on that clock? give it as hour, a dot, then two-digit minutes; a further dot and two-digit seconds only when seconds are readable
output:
1.01
